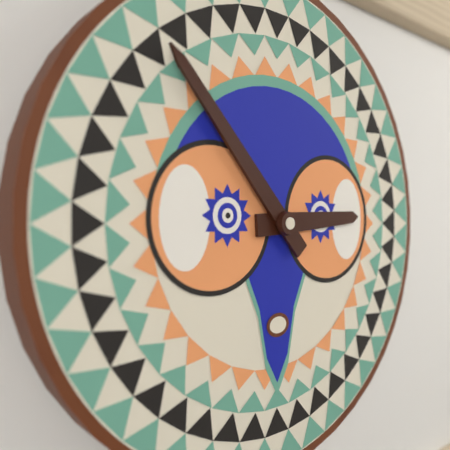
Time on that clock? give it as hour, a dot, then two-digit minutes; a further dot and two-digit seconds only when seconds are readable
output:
2.53
